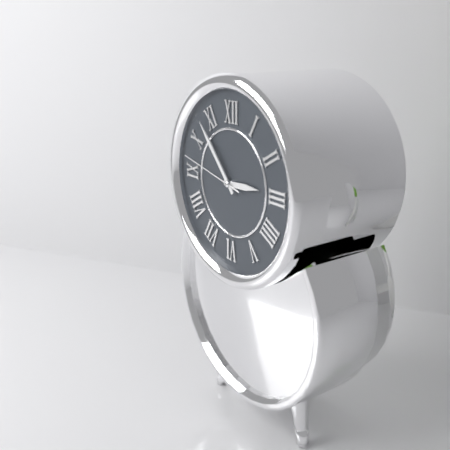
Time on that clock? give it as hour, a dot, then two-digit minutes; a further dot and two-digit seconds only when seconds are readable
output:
2.53.47
